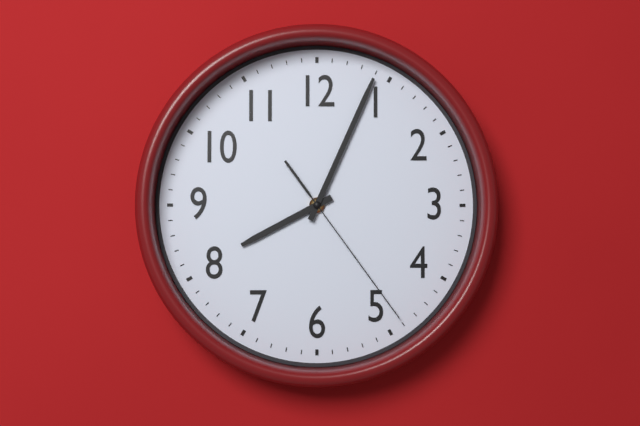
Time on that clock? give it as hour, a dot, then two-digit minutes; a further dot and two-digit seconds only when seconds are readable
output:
8.04.24
